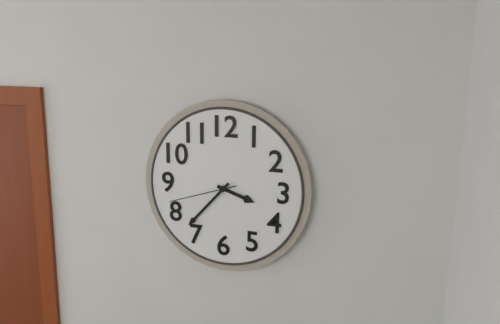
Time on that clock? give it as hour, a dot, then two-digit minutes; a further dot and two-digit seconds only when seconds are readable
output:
3.37.42
